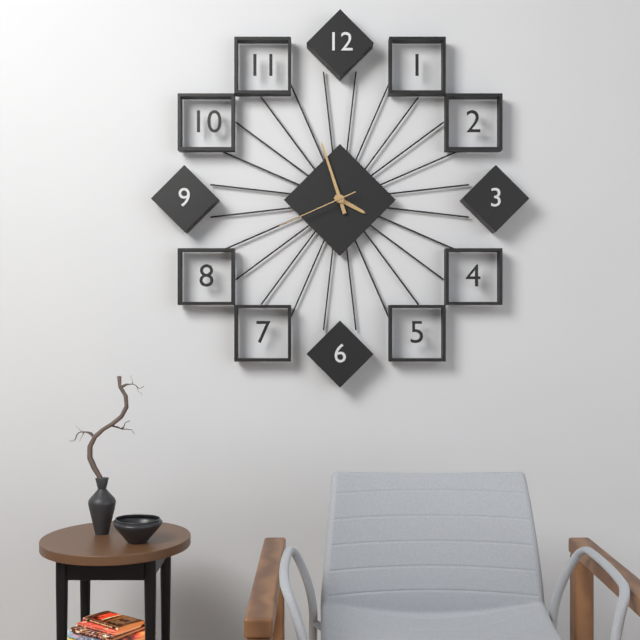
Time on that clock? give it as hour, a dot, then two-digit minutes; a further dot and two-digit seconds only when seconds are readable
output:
3.57.41
